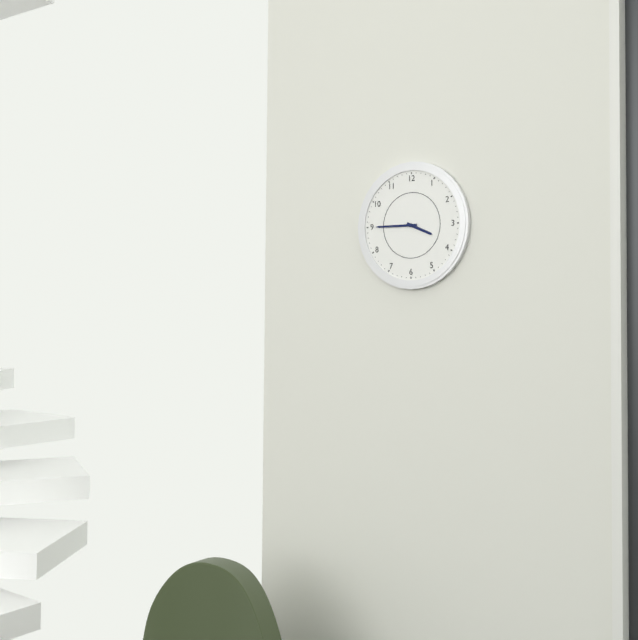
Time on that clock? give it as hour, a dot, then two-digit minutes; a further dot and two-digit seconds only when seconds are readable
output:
3.45
